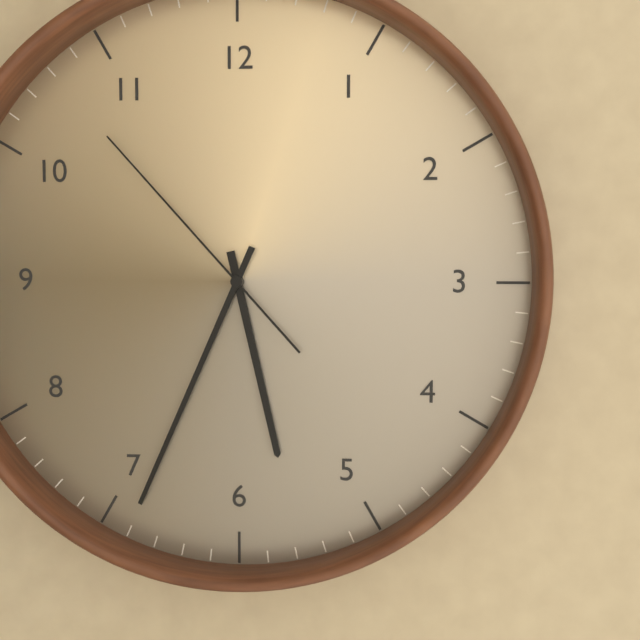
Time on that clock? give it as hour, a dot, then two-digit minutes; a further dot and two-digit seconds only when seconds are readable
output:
5.34.53
